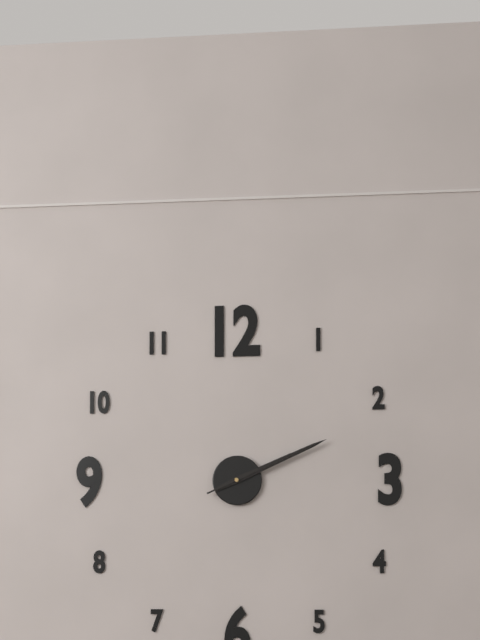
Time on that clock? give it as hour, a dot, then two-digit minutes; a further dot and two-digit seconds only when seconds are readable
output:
2.11.11
